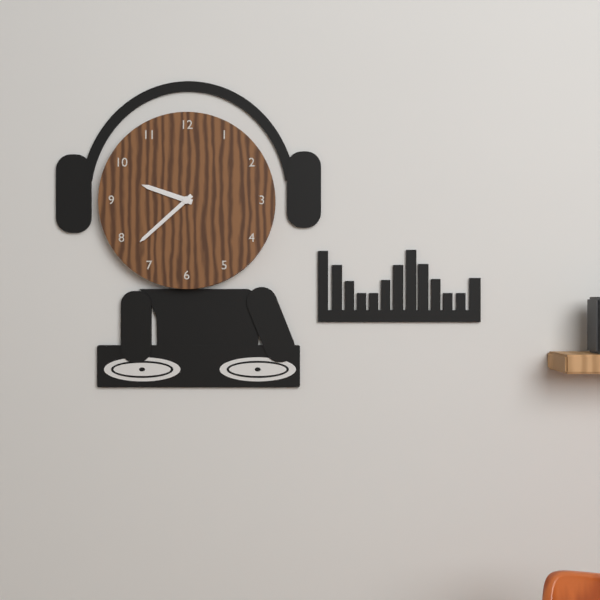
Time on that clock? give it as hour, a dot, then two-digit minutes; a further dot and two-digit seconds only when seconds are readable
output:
9.38
